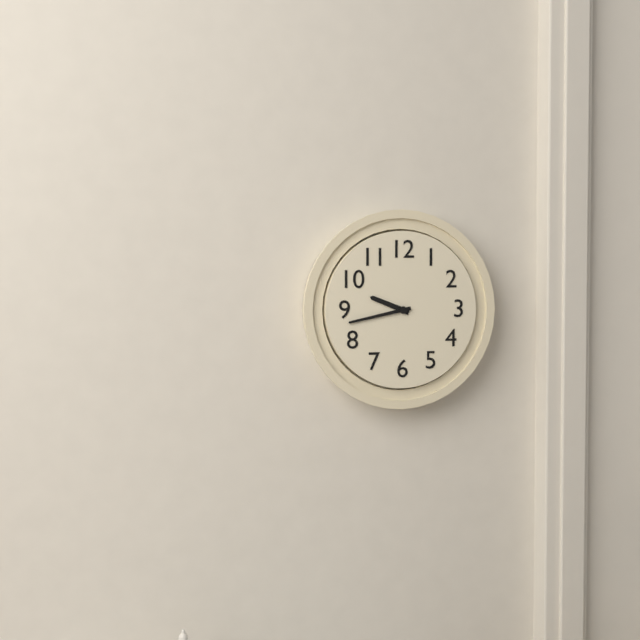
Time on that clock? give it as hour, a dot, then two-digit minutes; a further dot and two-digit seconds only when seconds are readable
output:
9.43
